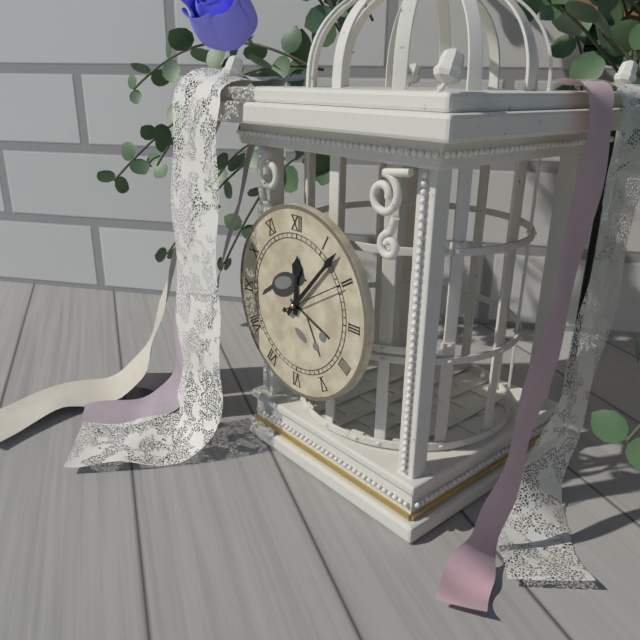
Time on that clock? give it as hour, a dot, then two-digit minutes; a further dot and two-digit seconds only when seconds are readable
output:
12.07.10
